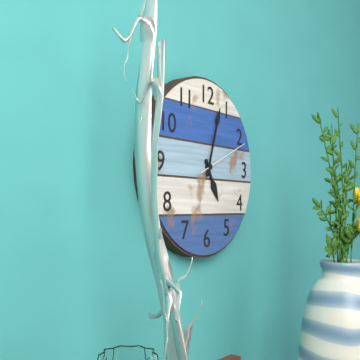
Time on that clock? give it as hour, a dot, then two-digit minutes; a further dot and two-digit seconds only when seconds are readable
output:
5.03.11
